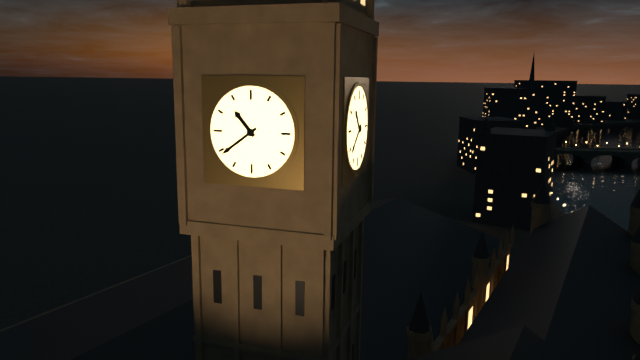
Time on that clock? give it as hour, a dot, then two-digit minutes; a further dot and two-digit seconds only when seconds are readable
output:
10.39
